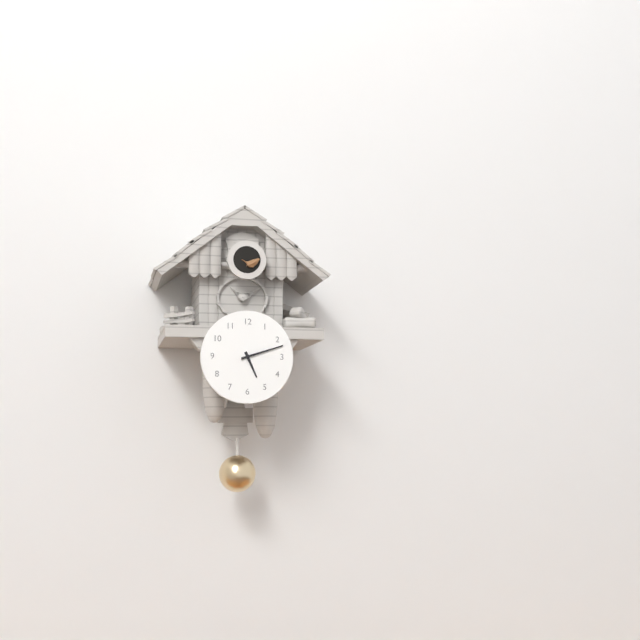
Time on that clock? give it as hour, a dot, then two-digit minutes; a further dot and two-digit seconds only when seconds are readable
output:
5.12
